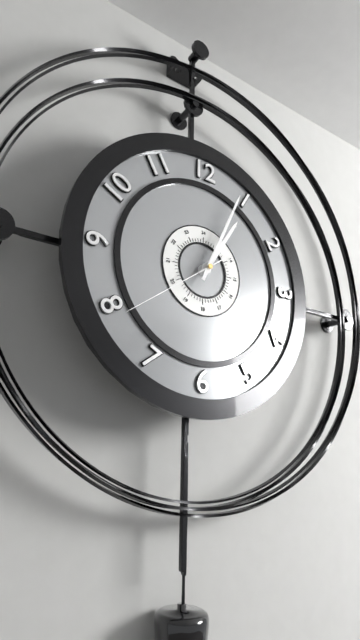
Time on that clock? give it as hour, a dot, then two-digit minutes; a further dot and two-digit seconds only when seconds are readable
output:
1.04.39
